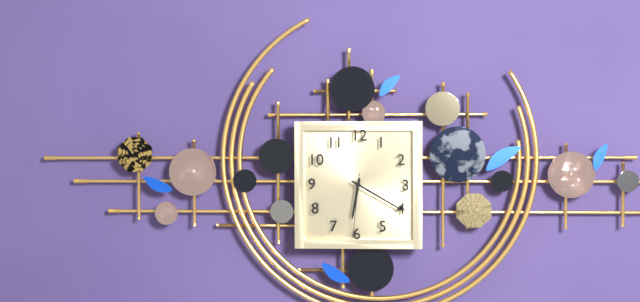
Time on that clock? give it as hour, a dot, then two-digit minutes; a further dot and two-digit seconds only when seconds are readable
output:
6.20.31
